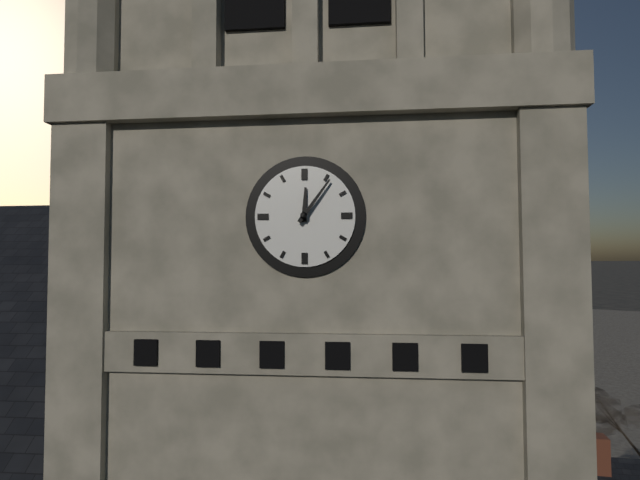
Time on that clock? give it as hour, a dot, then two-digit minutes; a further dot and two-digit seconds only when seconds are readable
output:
12.06
